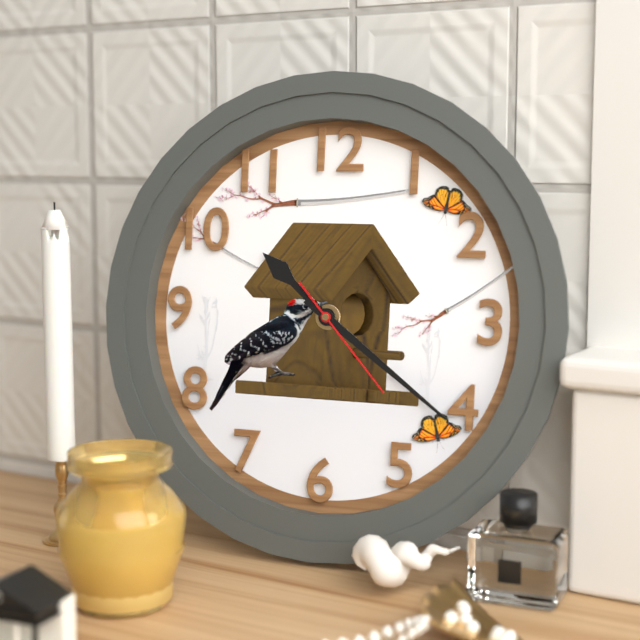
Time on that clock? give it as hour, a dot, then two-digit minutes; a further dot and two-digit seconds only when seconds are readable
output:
10.21.23
